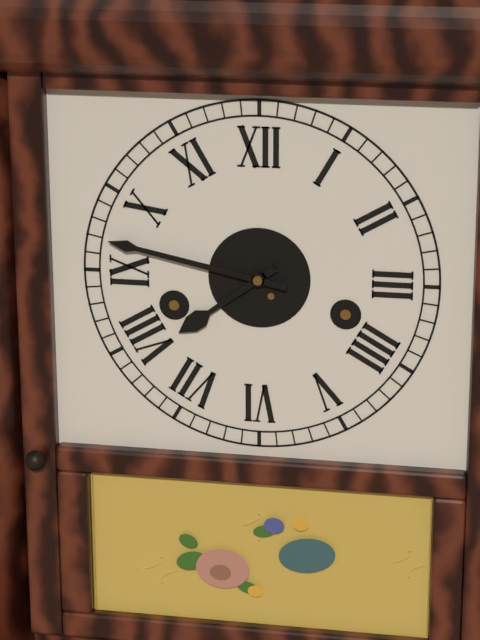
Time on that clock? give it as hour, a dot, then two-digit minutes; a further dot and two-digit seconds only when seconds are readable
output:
7.47
